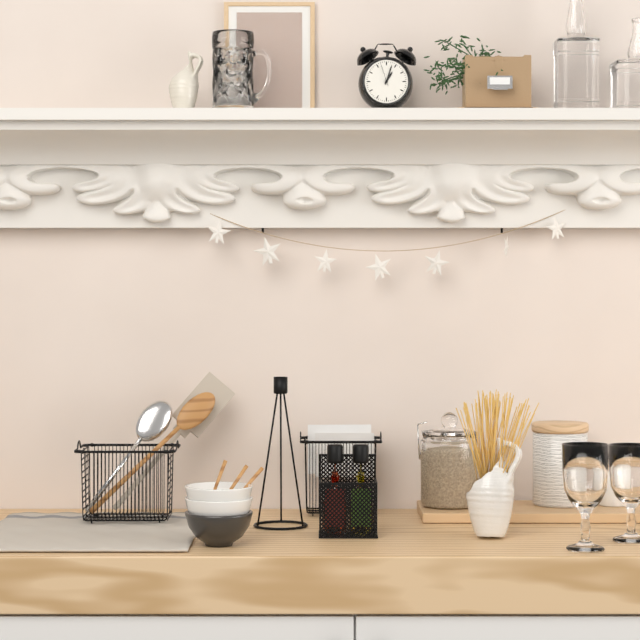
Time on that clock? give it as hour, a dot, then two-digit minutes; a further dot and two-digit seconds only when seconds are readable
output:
1.03
